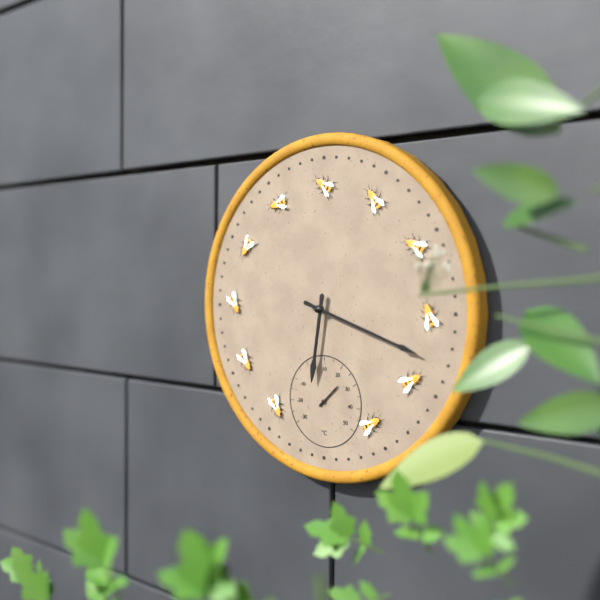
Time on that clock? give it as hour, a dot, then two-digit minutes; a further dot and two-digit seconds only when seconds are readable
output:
6.18
